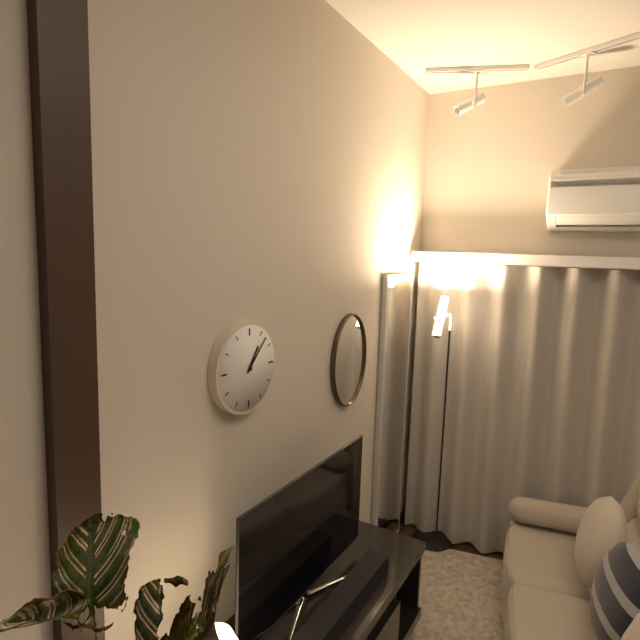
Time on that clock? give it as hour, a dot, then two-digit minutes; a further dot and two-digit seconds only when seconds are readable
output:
1.07
